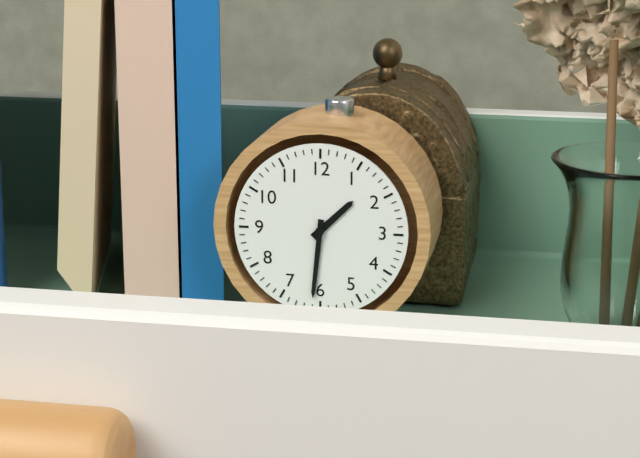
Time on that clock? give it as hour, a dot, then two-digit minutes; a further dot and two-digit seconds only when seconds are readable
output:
1.31
